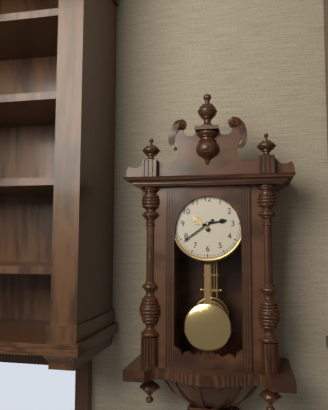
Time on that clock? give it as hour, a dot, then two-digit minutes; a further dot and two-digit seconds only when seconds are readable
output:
2.39
